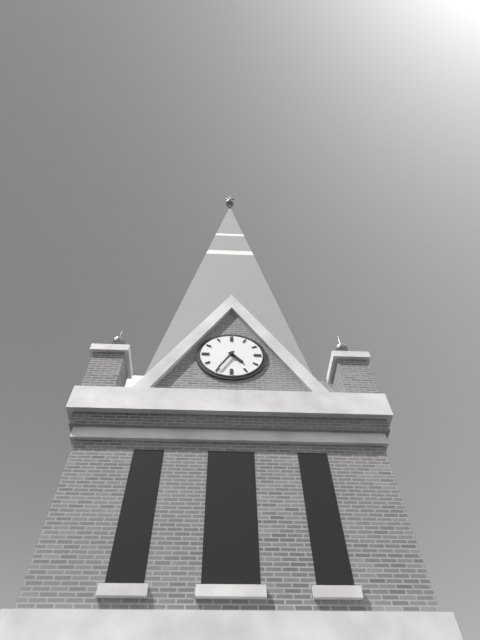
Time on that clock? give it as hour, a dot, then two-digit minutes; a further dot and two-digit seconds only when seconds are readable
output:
4.35
